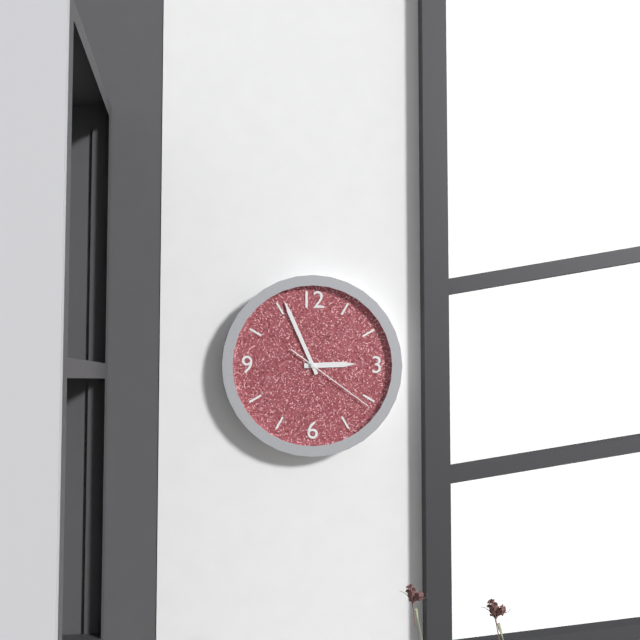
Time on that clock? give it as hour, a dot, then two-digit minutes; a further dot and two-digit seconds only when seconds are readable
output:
2.56.21
